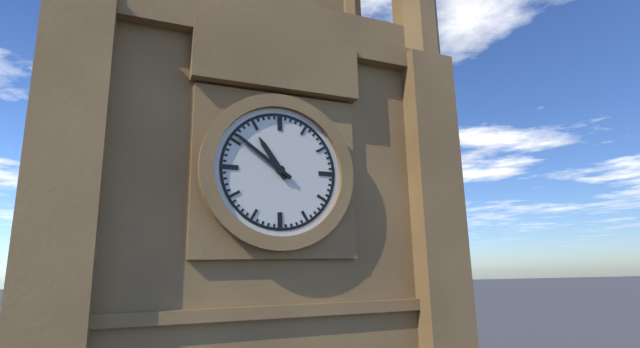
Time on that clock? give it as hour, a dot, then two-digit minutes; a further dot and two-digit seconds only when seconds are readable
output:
10.51
